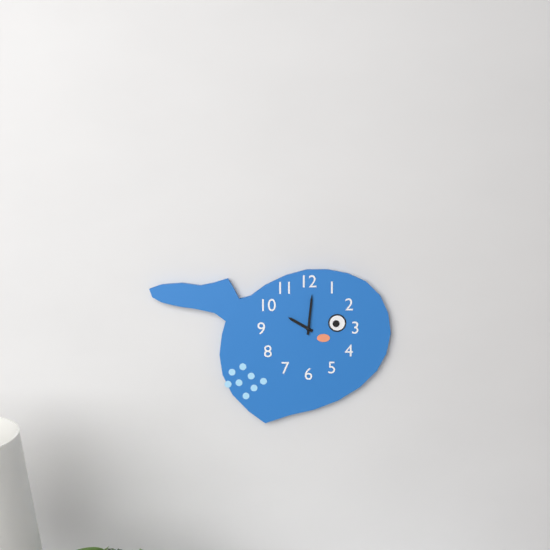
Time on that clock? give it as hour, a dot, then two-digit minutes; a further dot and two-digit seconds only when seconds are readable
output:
10.01
